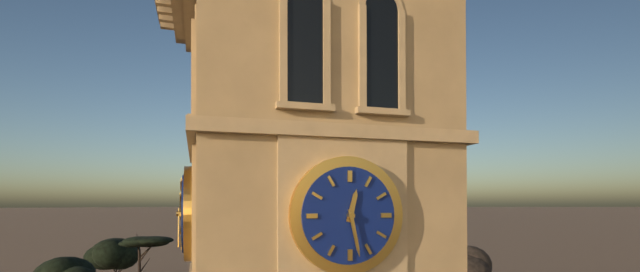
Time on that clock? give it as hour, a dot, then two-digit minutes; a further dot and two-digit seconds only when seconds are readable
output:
12.28
